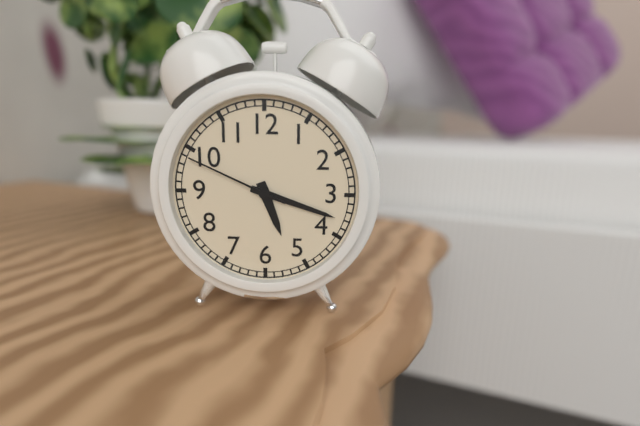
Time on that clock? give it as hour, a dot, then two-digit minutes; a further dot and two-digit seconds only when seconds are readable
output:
5.18.49
